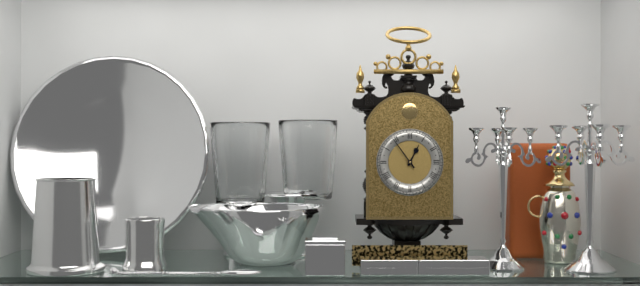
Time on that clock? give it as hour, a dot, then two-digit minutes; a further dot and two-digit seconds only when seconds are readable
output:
12.54
